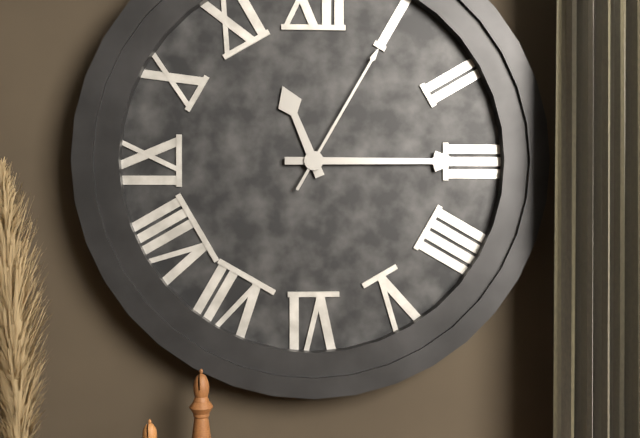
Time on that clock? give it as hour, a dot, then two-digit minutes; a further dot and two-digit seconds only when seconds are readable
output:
11.15.05
